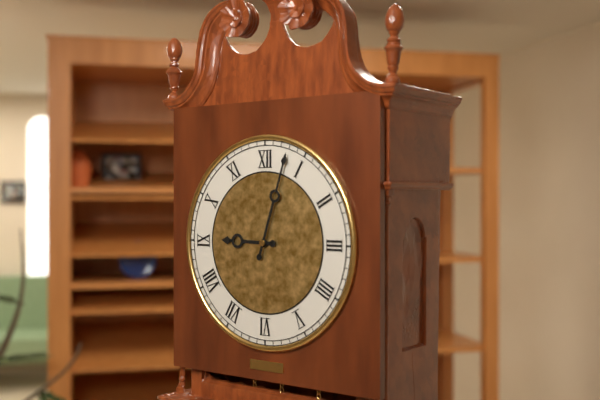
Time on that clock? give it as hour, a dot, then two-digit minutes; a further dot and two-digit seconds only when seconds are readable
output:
9.03
